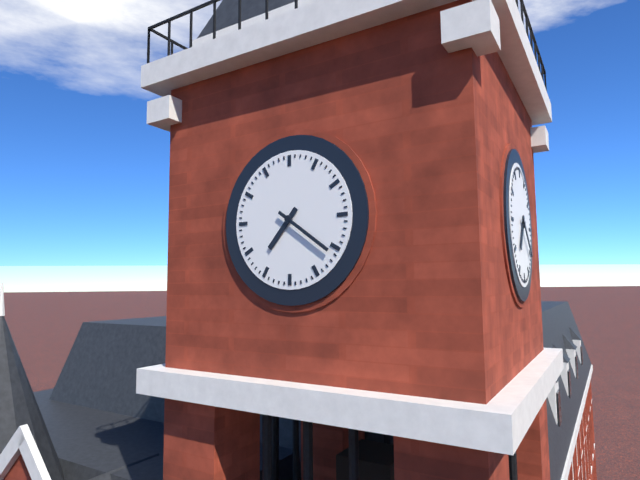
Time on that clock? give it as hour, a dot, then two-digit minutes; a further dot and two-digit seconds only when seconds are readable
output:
7.21
